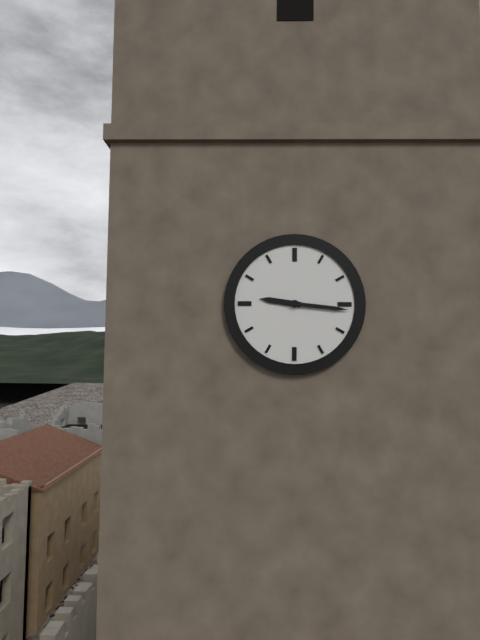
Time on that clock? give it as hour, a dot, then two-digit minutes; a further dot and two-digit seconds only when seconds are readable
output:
9.16
